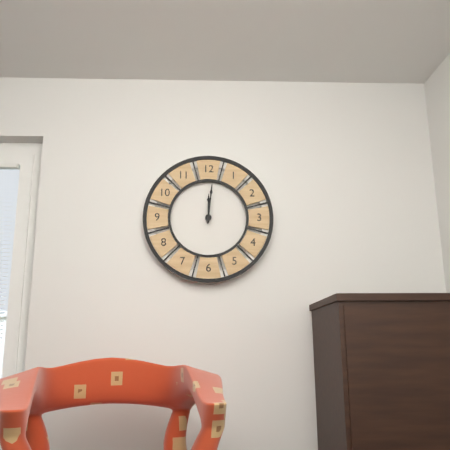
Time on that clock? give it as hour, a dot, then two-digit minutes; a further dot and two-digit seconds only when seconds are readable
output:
12.01
